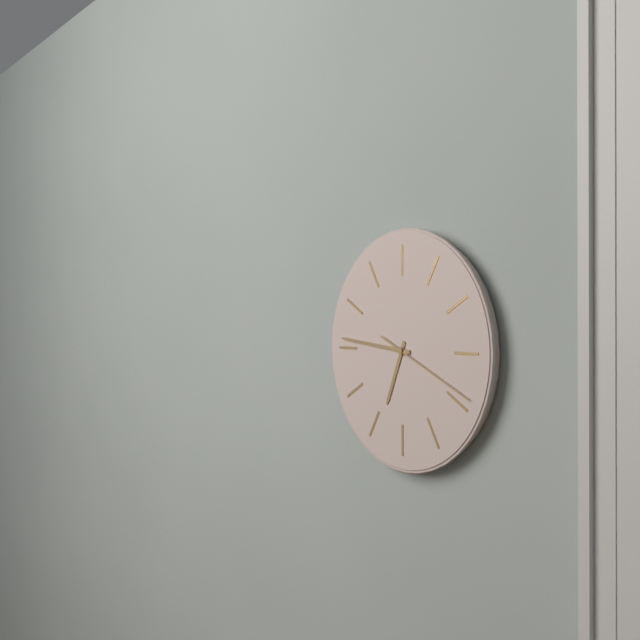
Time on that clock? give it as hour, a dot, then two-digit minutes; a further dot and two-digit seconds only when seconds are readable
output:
6.46.19
